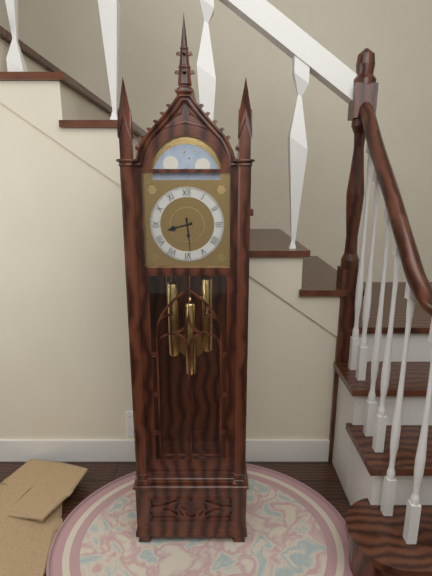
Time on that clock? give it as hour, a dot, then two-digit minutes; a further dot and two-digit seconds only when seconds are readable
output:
8.29
